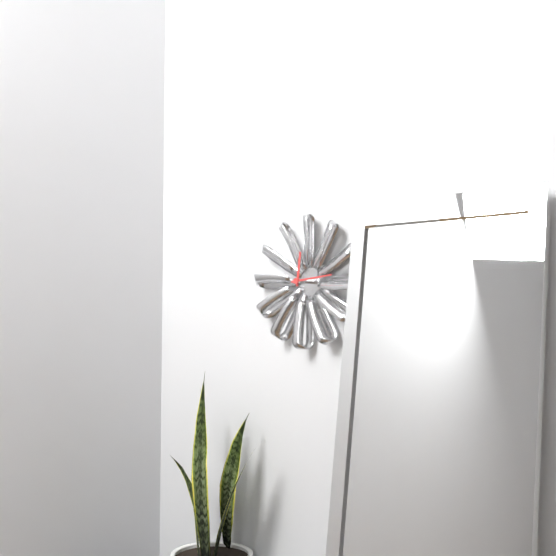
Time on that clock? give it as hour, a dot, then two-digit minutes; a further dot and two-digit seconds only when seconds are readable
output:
12.14
